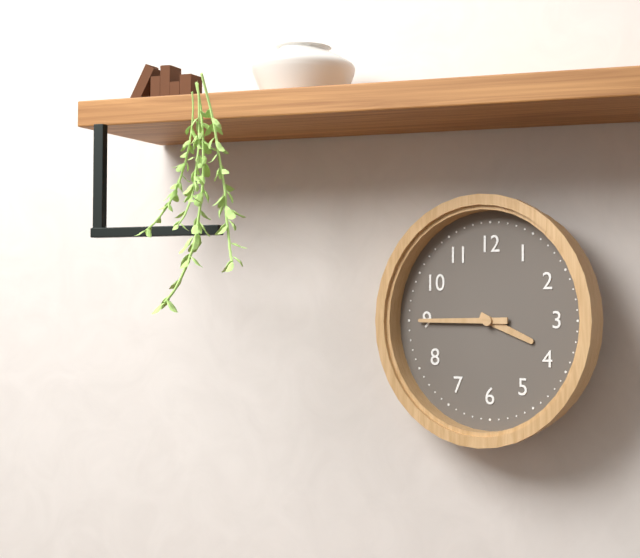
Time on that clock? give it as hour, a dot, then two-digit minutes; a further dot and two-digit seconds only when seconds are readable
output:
3.45
